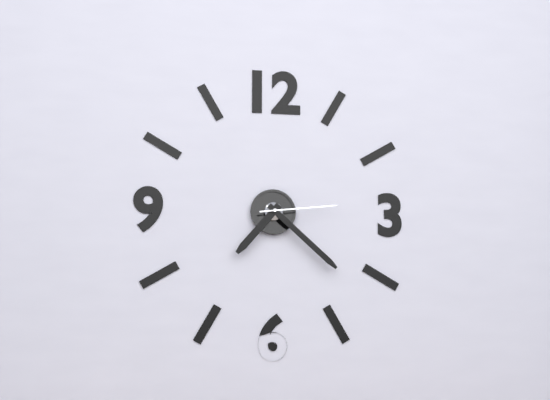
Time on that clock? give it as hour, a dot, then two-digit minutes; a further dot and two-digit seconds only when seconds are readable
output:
7.22.14
